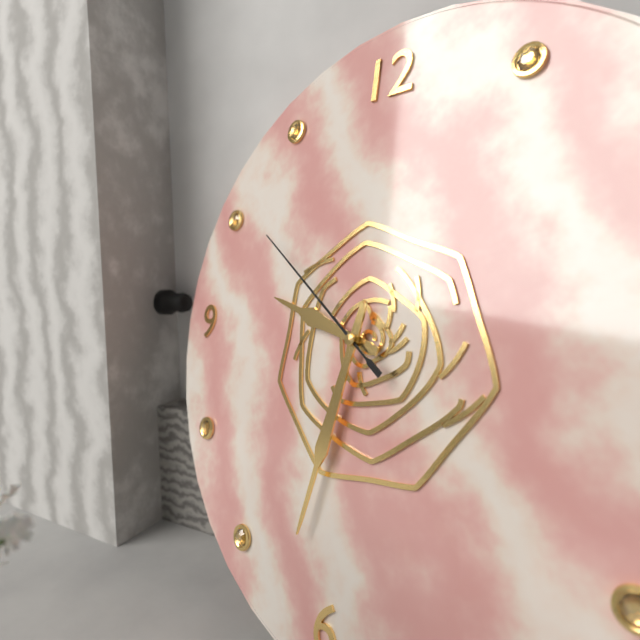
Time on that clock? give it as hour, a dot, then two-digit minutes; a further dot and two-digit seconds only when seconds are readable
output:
9.32.51
